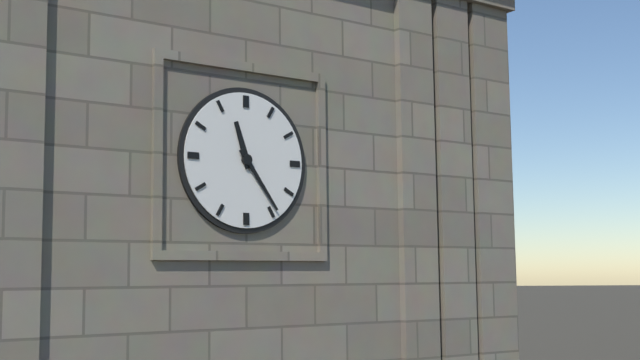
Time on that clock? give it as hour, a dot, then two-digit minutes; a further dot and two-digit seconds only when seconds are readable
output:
11.24
